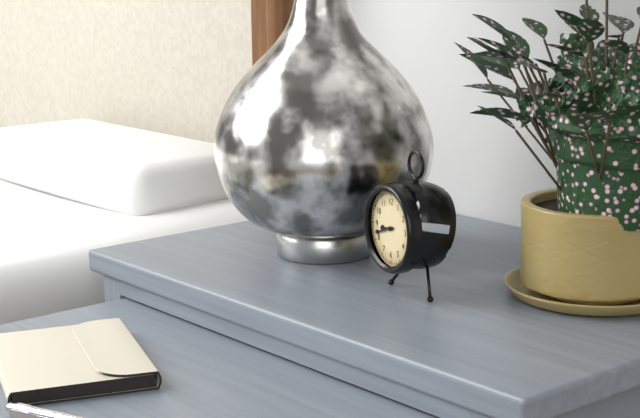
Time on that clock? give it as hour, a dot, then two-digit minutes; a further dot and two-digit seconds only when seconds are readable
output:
8.42
